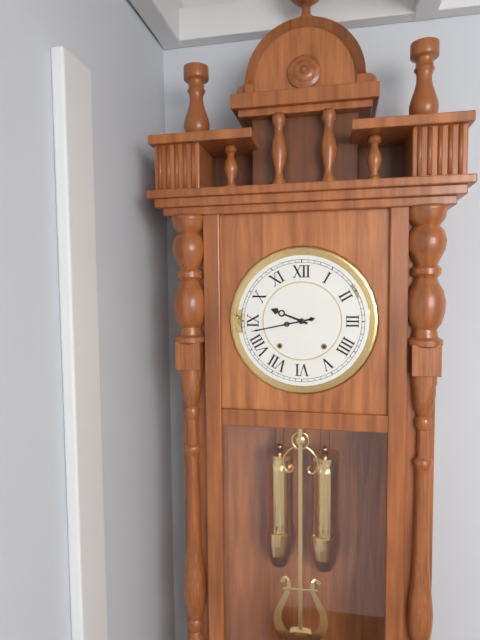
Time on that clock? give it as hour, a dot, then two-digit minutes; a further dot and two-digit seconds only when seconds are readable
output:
9.43
